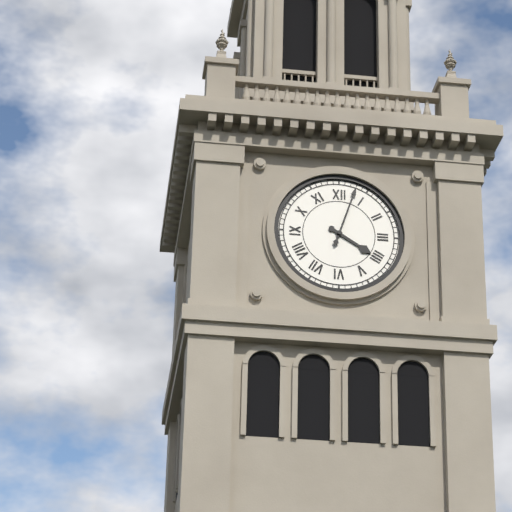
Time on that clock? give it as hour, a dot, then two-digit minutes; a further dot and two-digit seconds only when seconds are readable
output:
4.03
